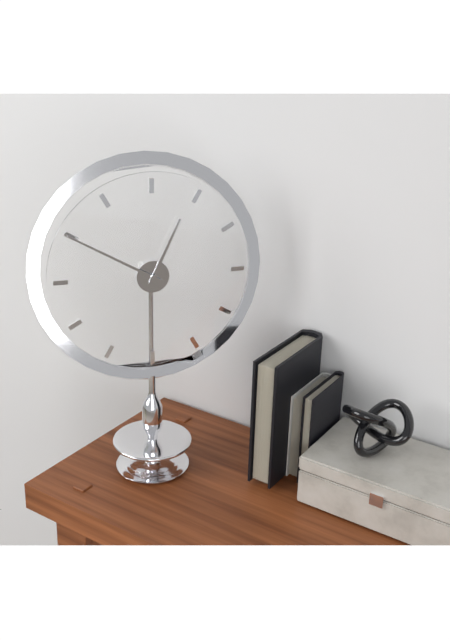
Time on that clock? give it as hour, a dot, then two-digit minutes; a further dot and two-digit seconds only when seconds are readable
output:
12.50
